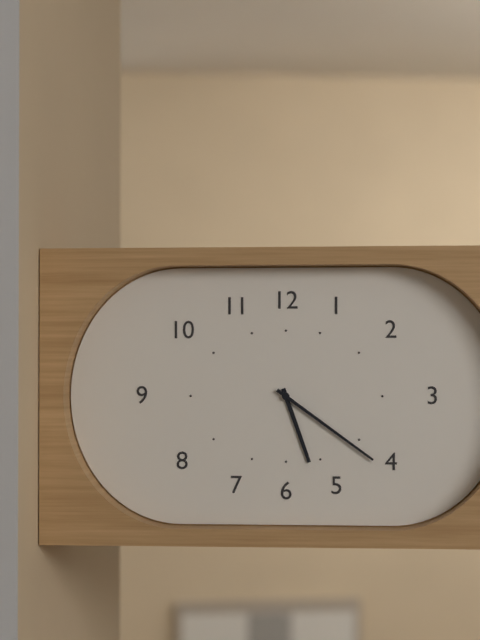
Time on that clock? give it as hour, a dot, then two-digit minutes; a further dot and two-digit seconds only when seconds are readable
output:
5.21
